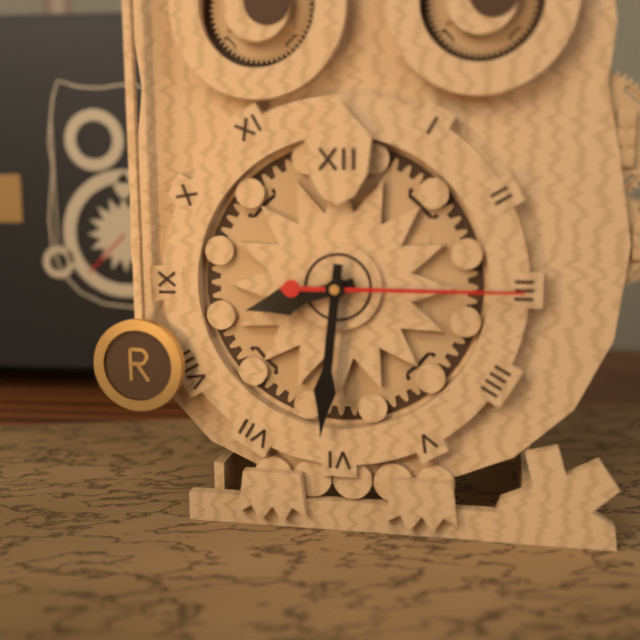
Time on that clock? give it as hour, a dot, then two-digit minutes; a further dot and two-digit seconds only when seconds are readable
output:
8.31.15
